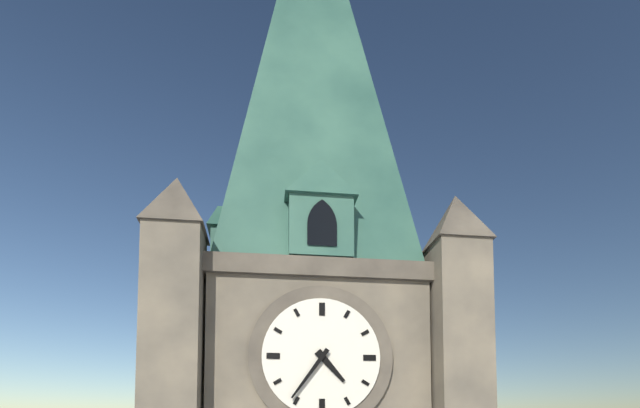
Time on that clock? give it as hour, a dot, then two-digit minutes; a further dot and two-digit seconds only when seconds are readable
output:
4.36
